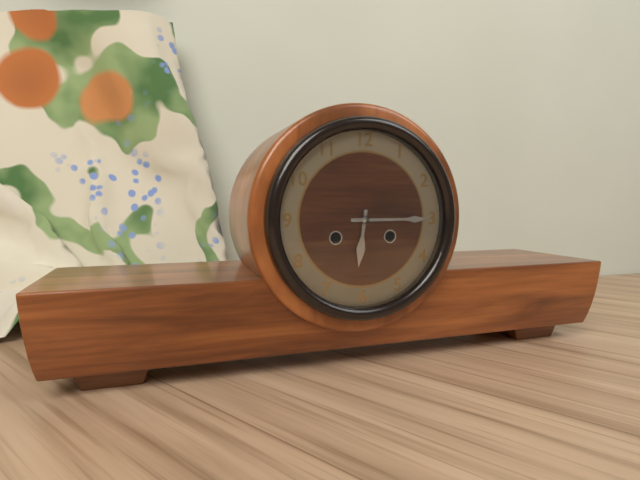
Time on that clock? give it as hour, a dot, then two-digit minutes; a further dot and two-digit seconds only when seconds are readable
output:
6.15
